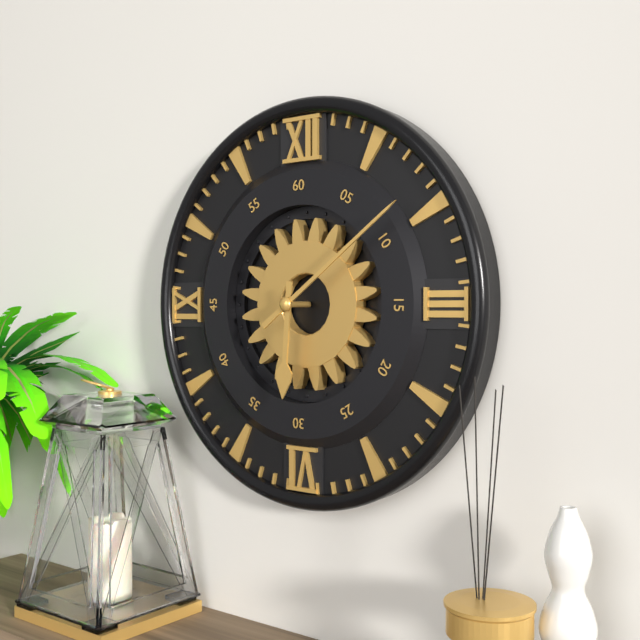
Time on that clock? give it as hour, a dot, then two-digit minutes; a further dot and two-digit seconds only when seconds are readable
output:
6.09
